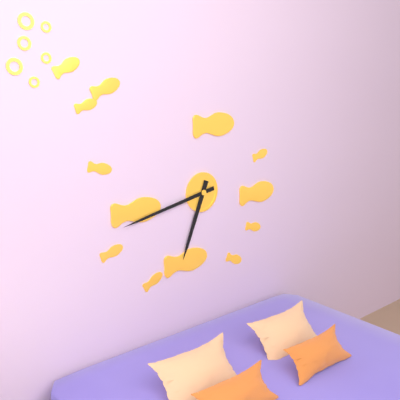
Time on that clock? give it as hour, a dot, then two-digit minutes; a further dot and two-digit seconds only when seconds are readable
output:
6.43
